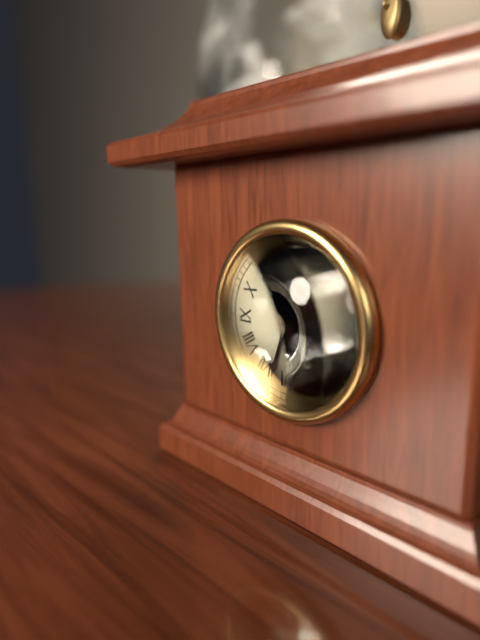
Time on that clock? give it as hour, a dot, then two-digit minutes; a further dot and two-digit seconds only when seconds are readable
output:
2.33.58
